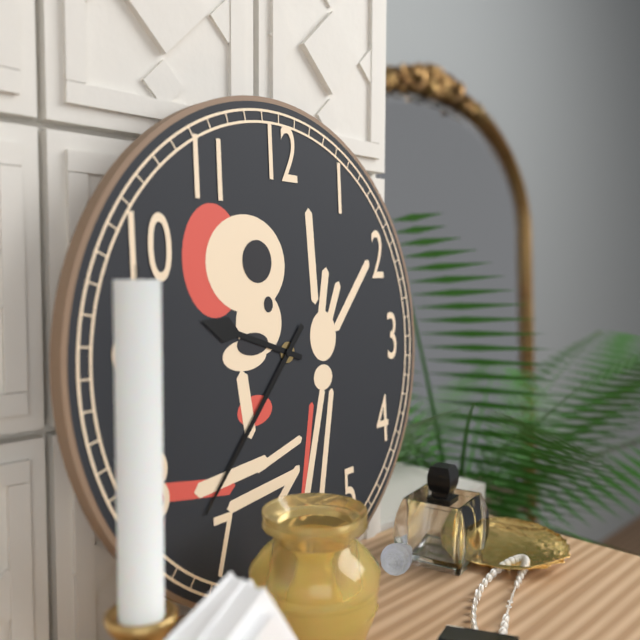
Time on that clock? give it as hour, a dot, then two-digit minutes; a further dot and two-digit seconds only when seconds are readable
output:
9.37
